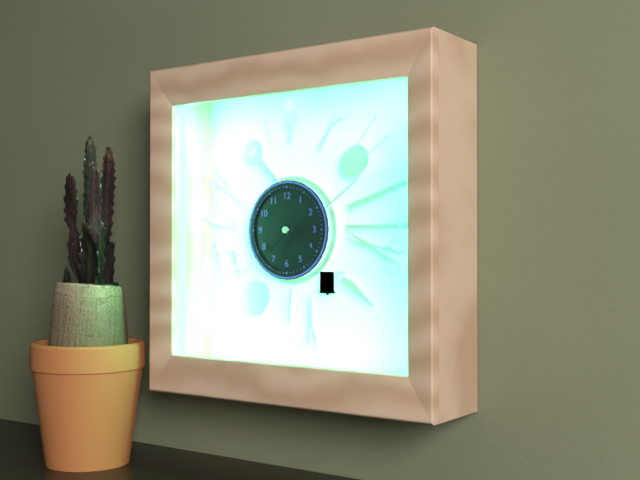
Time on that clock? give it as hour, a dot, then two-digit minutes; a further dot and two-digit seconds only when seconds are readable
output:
7.20
